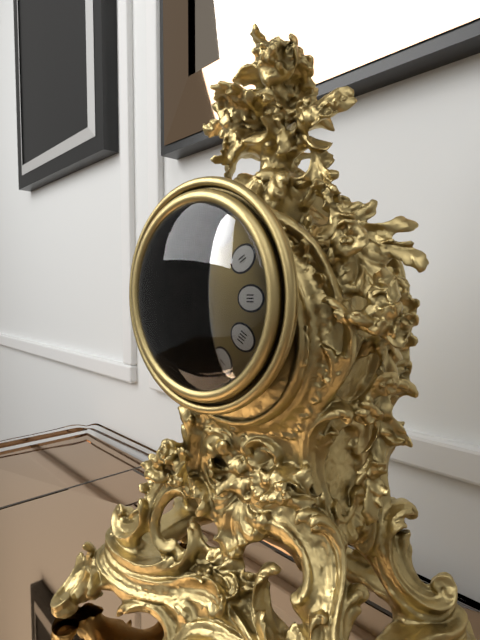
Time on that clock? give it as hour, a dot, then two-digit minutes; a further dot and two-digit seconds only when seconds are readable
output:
8.30.34
